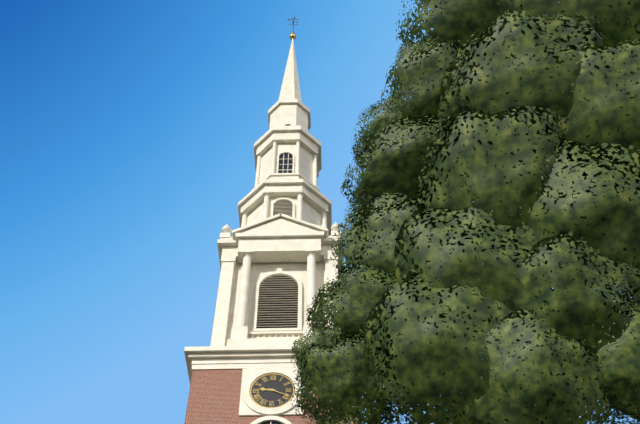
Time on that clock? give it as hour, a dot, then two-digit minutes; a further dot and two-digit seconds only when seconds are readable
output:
9.19
